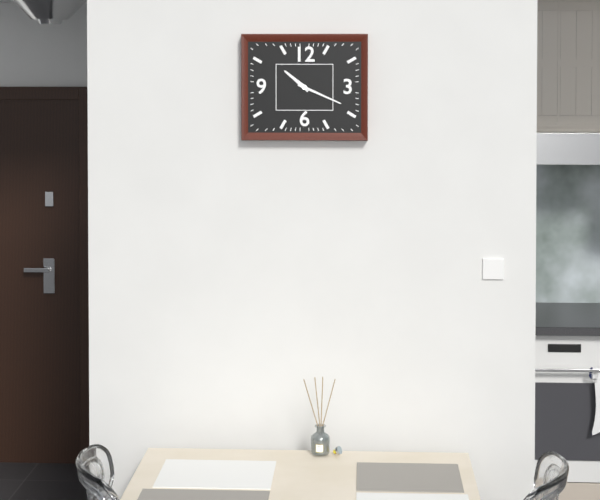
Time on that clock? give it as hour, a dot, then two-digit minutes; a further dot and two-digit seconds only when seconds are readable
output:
10.19
